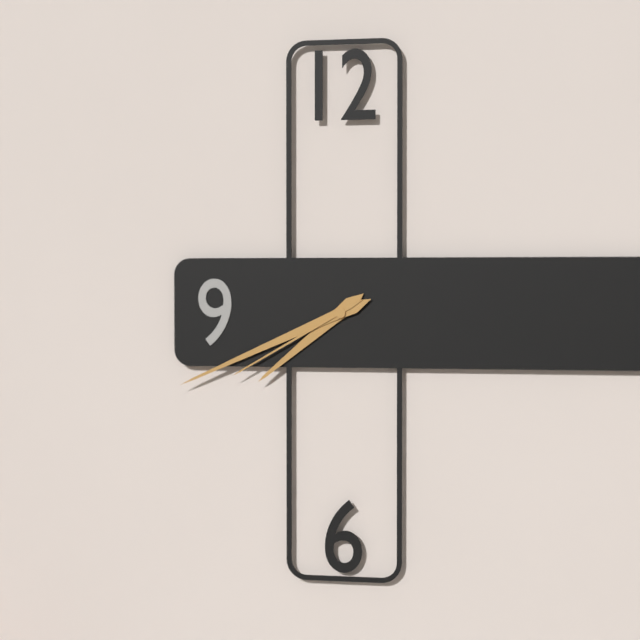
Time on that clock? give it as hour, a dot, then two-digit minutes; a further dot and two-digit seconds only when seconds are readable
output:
7.41.40
